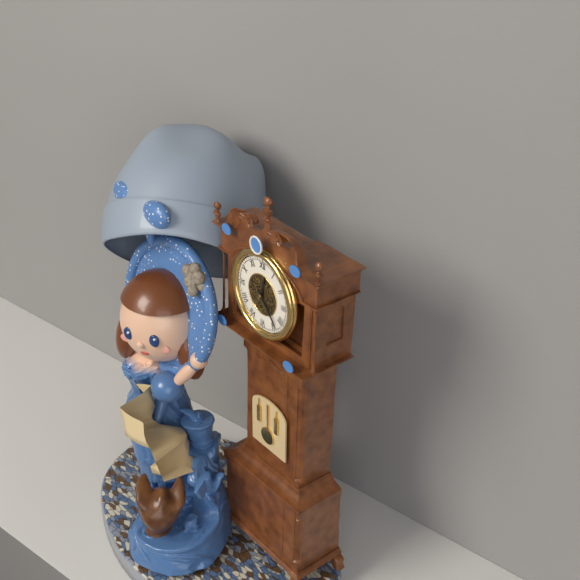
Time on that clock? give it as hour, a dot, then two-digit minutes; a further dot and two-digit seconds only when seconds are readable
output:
12.23
